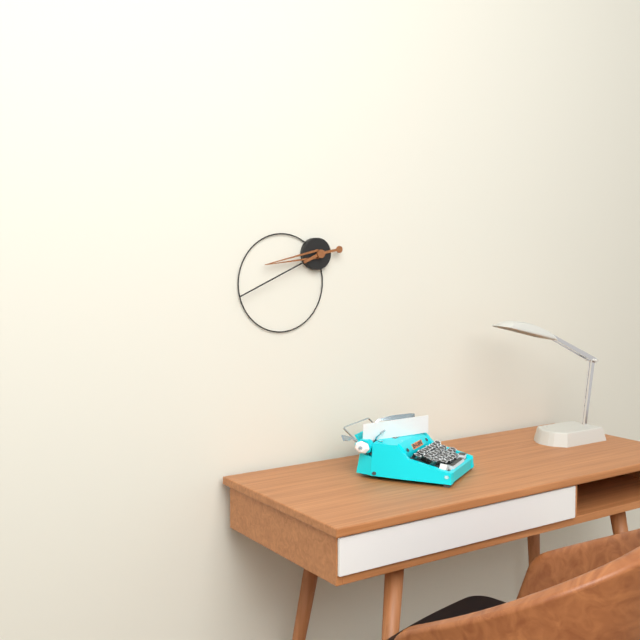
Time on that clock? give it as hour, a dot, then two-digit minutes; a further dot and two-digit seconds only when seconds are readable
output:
8.41
